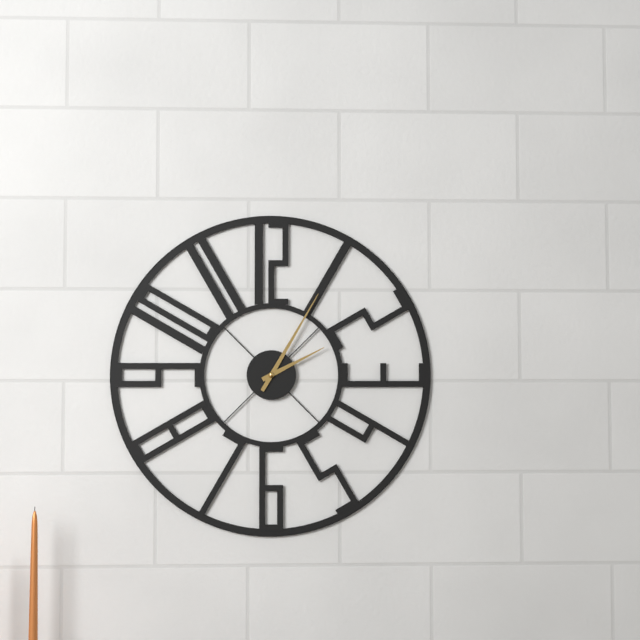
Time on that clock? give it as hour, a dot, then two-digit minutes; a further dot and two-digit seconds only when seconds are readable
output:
2.05
